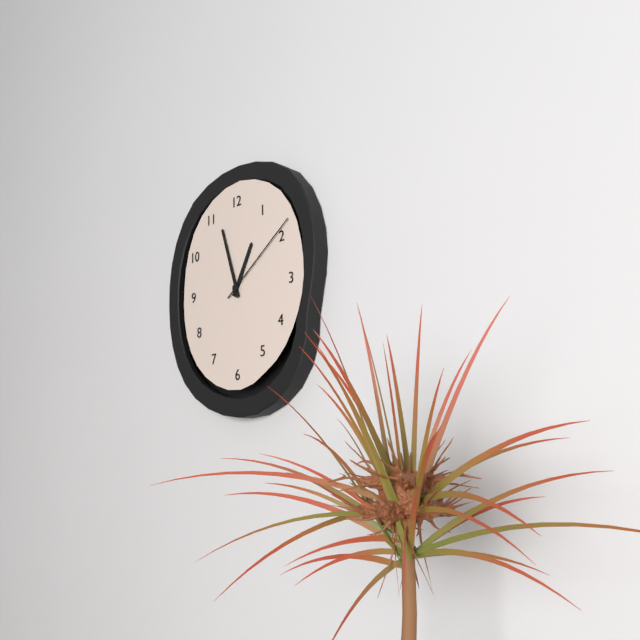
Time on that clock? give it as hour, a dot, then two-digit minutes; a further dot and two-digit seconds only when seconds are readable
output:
12.57.09
